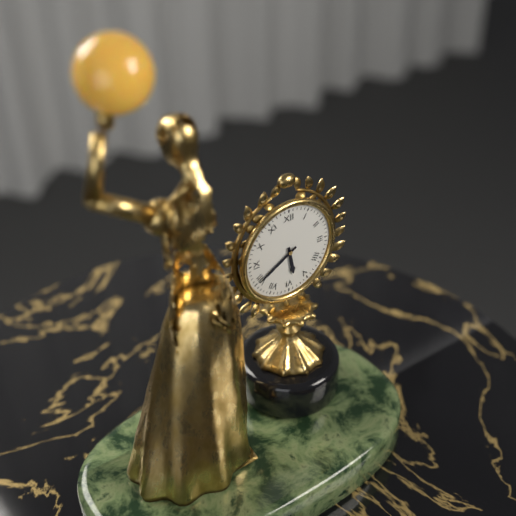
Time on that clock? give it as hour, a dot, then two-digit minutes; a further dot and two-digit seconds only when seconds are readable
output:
5.40
